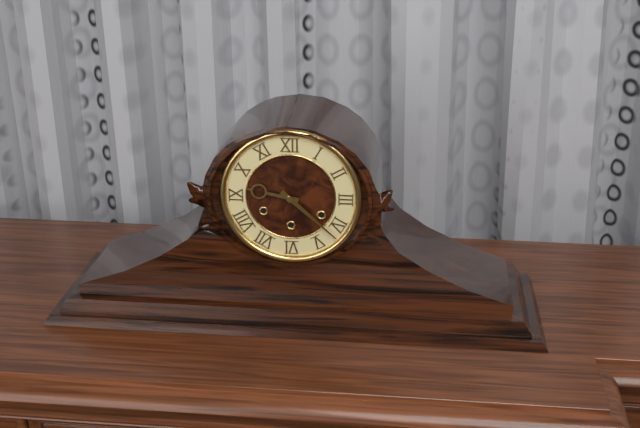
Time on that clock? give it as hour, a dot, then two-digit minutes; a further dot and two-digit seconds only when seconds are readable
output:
9.22
